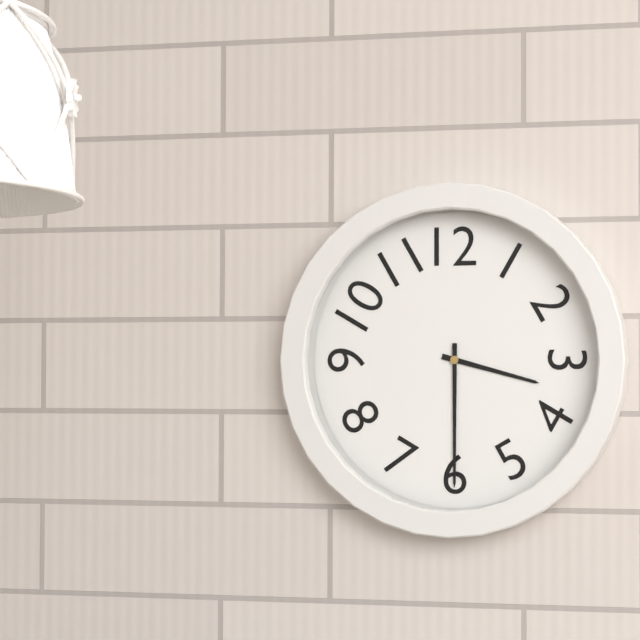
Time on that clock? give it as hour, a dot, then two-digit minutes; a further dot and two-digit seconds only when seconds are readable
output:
3.30
